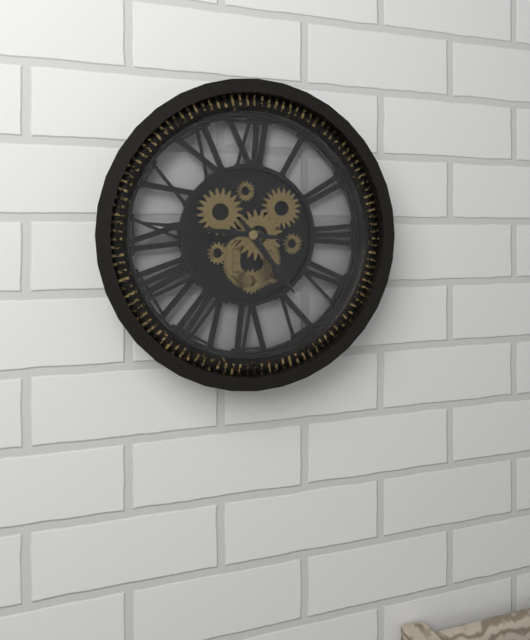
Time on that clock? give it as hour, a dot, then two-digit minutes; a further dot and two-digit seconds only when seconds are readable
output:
4.46
